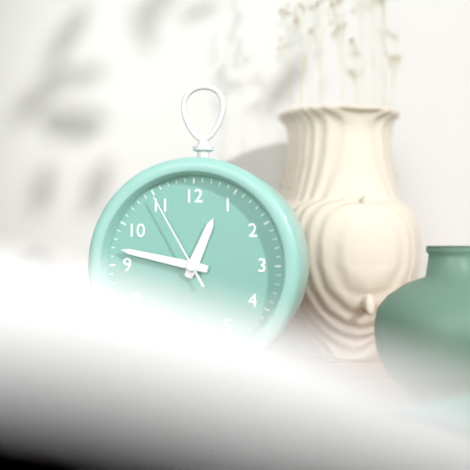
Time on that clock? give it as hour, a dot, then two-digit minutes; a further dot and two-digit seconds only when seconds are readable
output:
12.47.55
